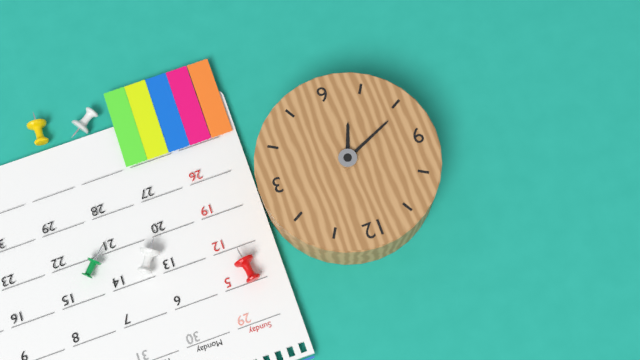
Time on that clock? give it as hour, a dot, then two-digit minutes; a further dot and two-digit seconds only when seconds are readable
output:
6.41
